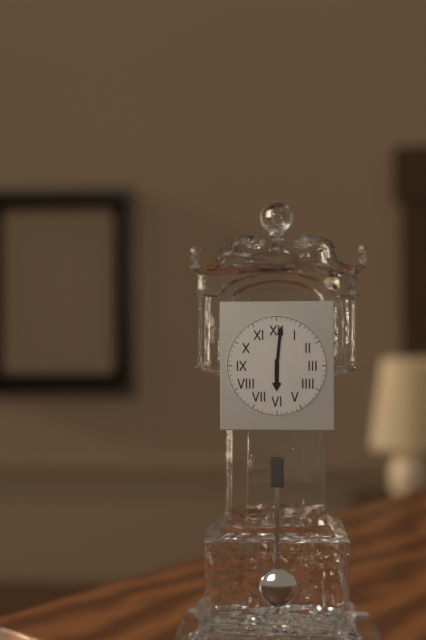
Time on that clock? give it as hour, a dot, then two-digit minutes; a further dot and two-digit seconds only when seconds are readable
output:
6.01
